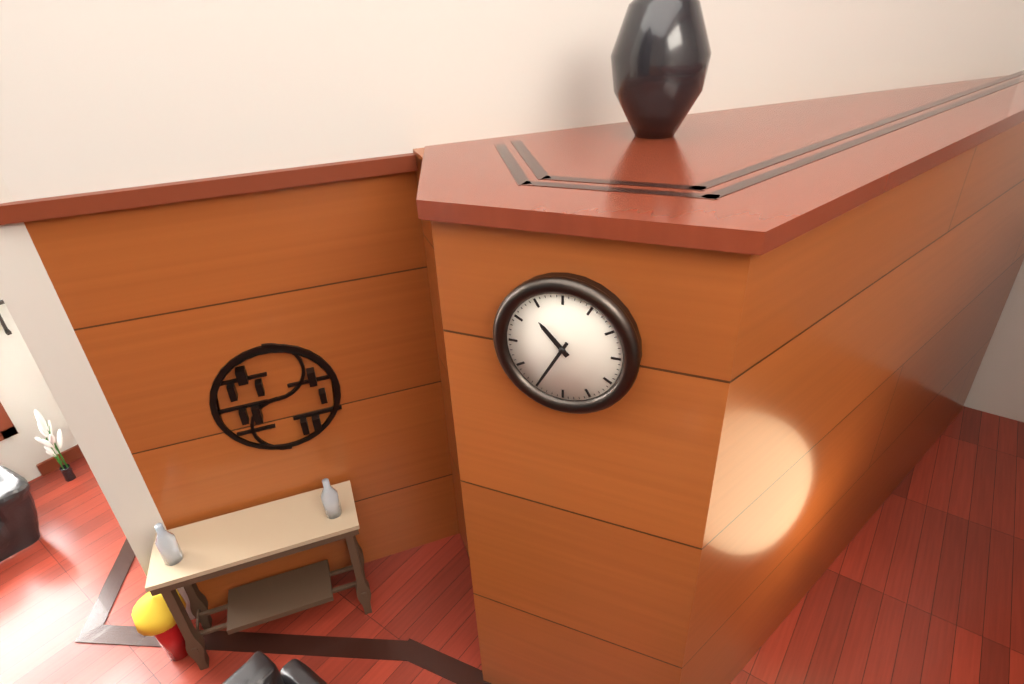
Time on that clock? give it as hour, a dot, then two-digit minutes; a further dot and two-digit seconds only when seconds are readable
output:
10.35
